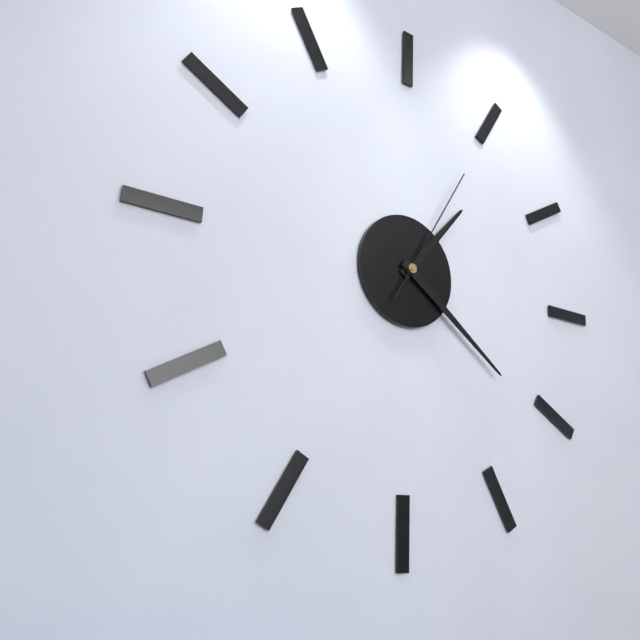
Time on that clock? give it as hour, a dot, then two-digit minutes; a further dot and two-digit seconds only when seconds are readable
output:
1.21.05
